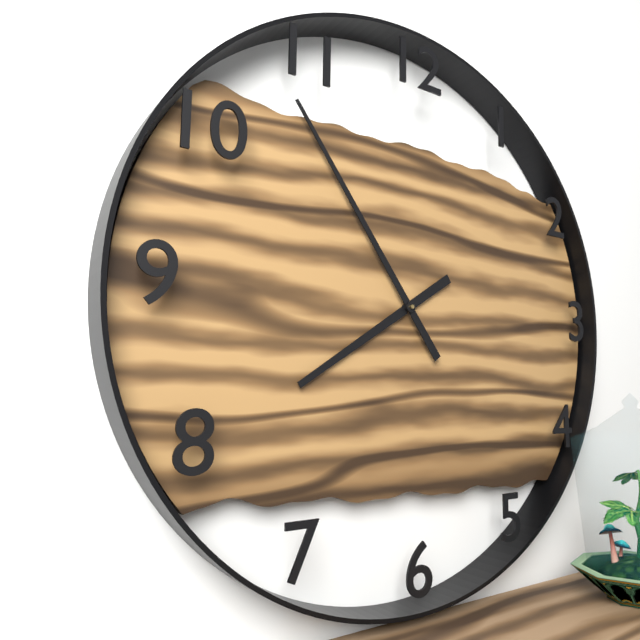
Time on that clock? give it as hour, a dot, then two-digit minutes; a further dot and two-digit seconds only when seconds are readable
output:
7.54
